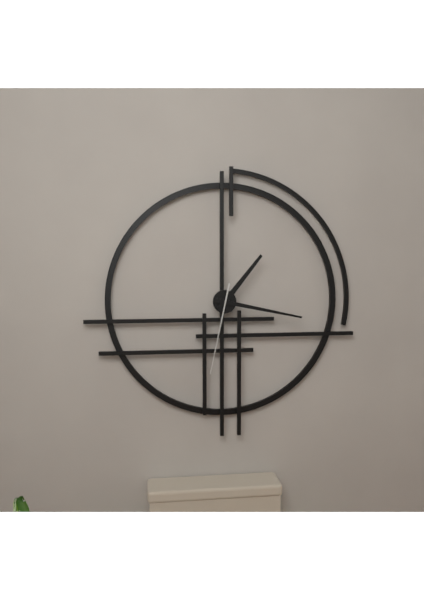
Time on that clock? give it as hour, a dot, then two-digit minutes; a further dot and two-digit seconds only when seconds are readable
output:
1.17.32
